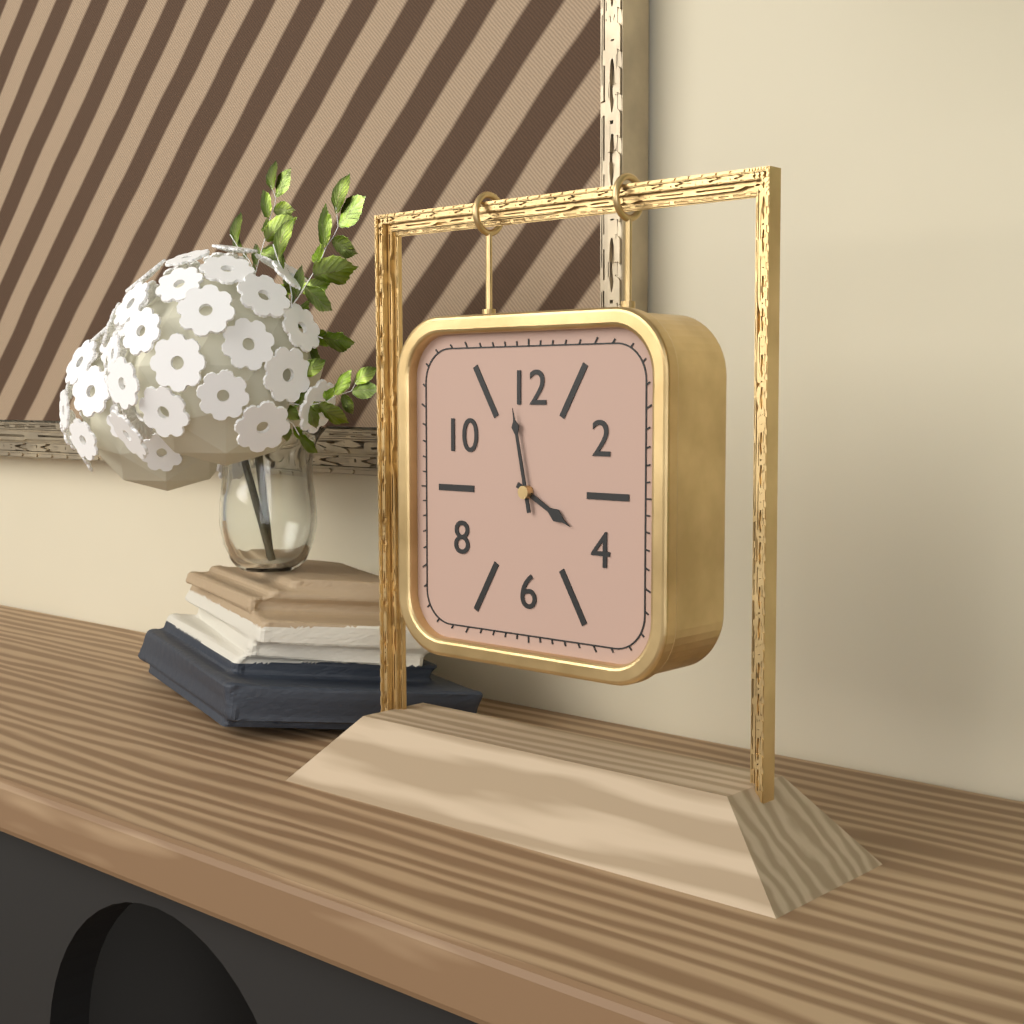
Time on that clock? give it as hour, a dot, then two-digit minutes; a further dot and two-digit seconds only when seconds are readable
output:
3.58
